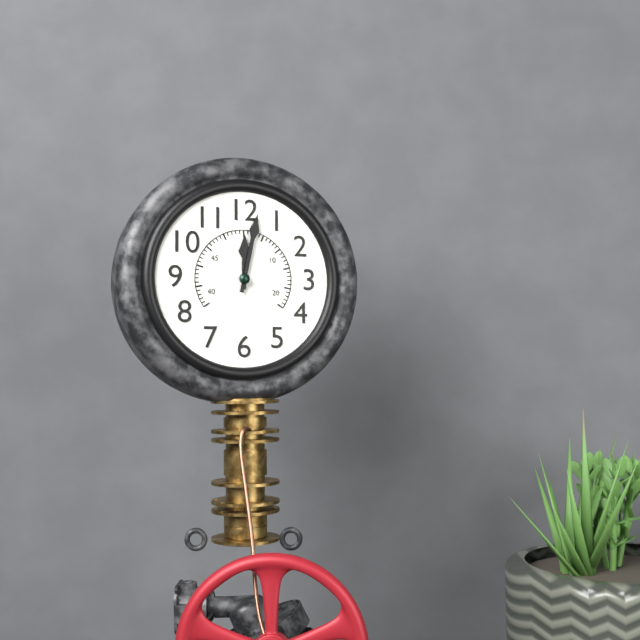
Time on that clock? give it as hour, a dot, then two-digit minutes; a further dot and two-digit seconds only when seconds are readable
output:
12.02
